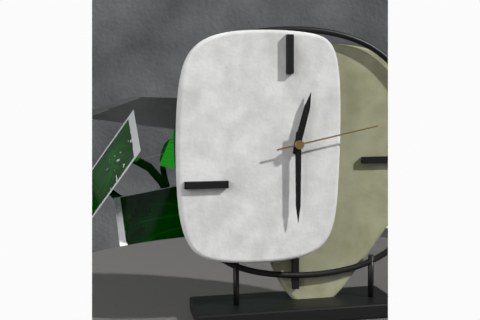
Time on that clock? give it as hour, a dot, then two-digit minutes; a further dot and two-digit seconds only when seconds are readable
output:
12.30.13
